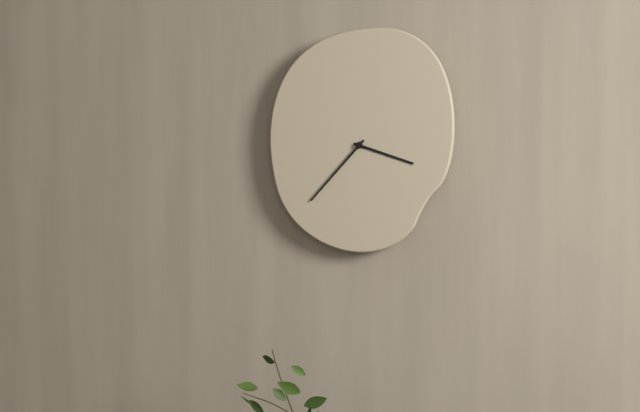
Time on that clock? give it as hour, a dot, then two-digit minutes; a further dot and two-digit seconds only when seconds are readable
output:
3.37
